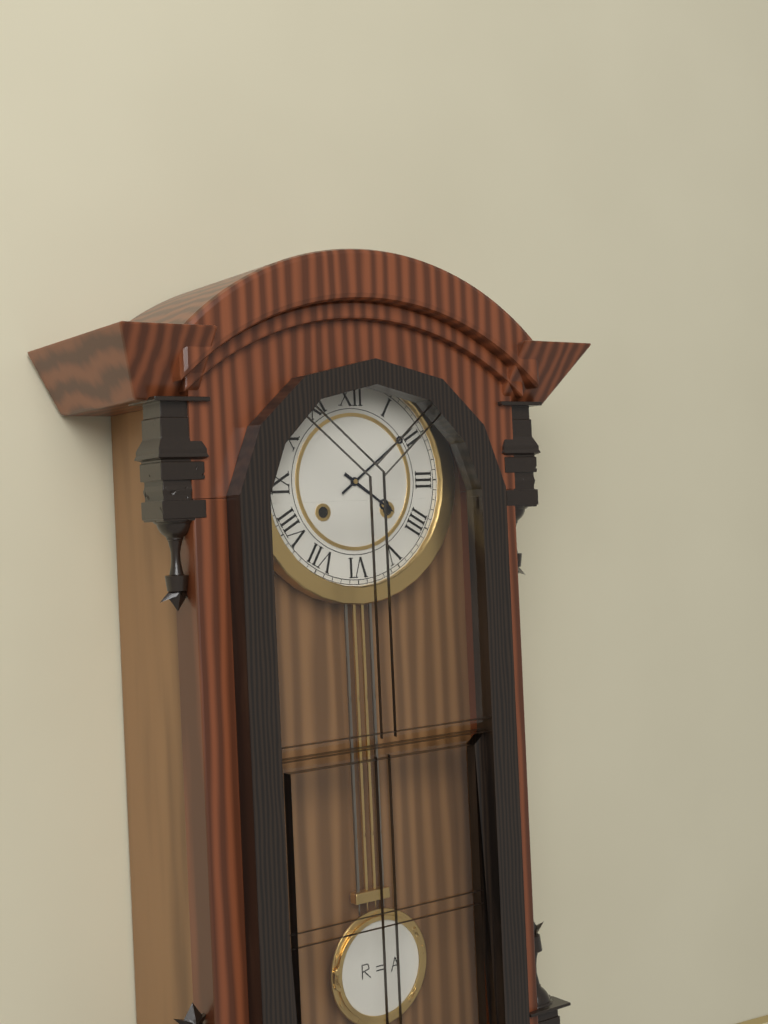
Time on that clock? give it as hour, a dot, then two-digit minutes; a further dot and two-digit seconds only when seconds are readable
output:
4.09
